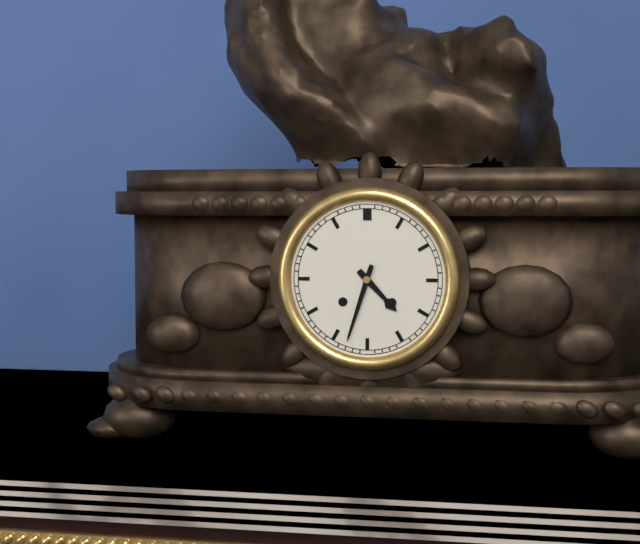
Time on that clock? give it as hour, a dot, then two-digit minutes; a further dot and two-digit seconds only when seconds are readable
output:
4.33
